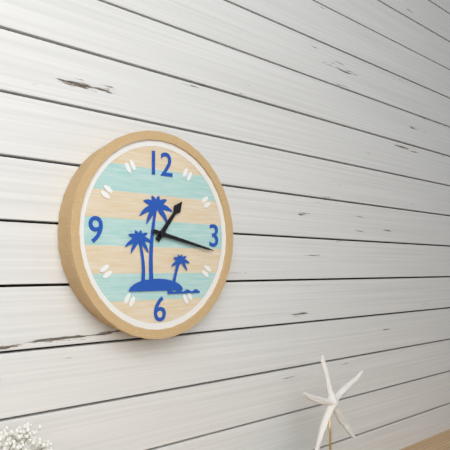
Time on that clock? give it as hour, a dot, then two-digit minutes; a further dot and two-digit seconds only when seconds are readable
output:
1.17
